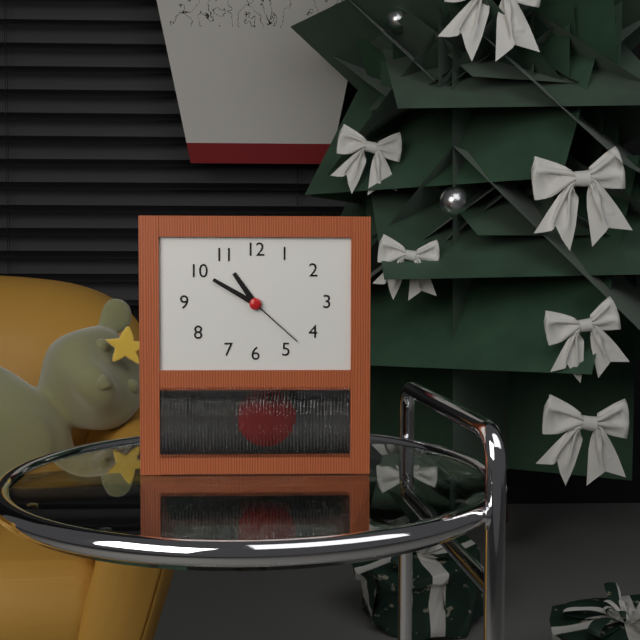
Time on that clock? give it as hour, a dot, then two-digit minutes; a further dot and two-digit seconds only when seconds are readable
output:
10.50.22
